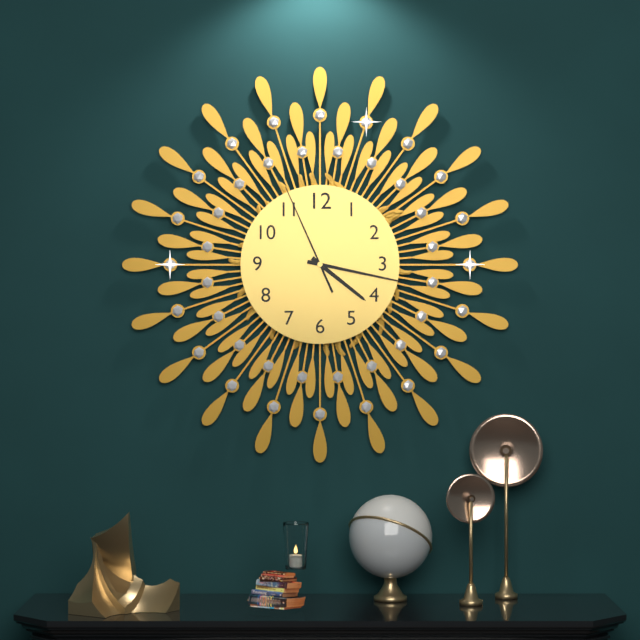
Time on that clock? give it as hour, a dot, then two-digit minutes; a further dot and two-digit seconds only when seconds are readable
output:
4.17.56
